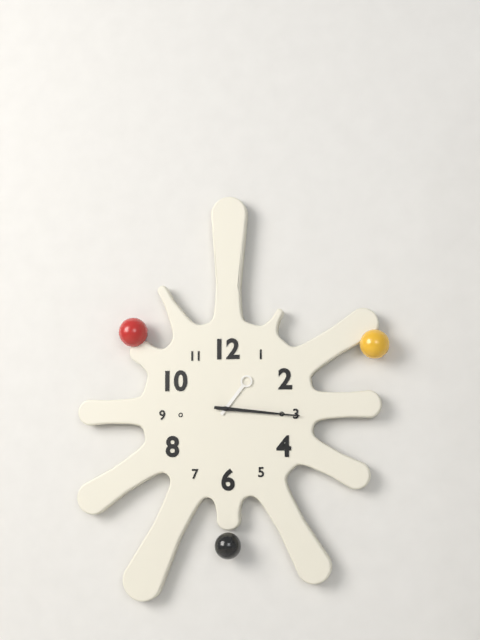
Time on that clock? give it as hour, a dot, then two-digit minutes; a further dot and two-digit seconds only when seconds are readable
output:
1.16
